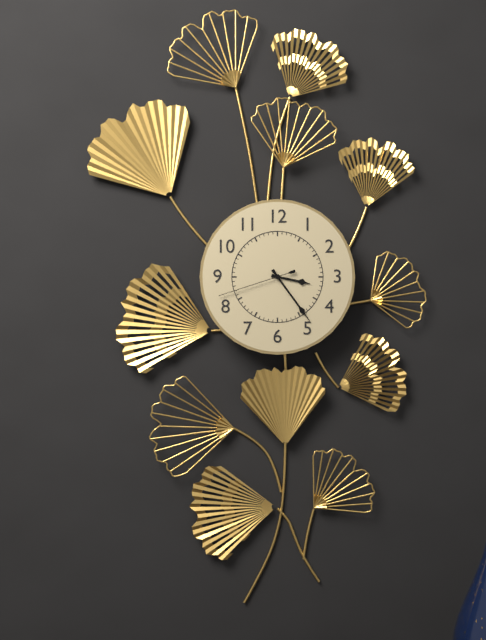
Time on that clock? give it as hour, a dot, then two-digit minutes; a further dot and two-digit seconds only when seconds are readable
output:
3.24.42
